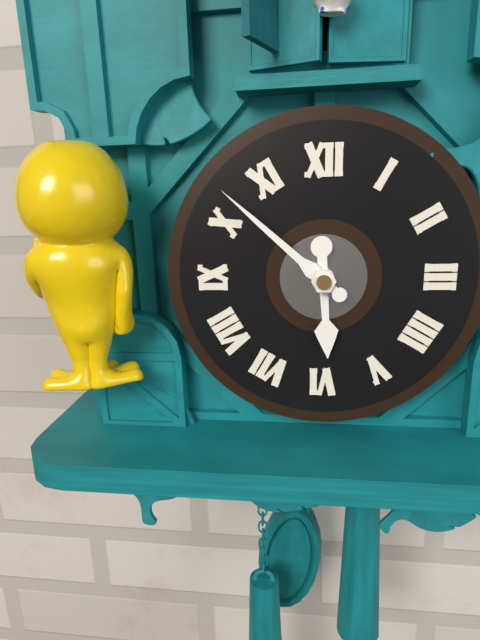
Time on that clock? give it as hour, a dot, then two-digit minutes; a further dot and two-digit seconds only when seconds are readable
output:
5.52
